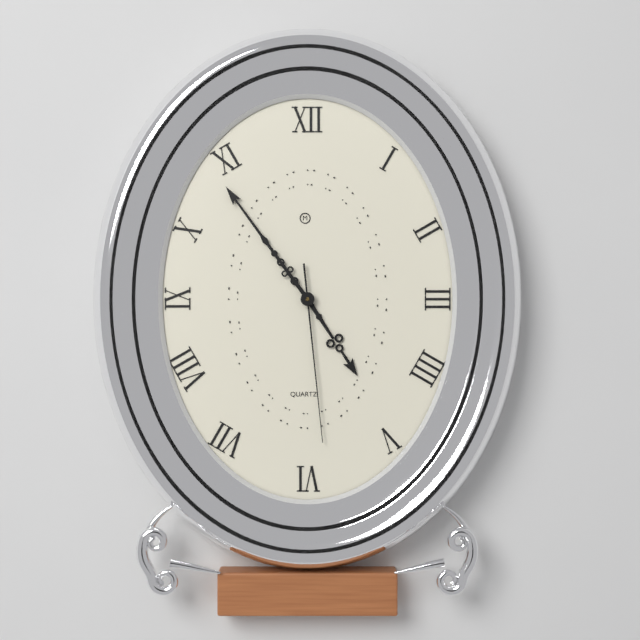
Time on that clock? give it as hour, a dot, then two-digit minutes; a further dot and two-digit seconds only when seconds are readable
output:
4.54.29
